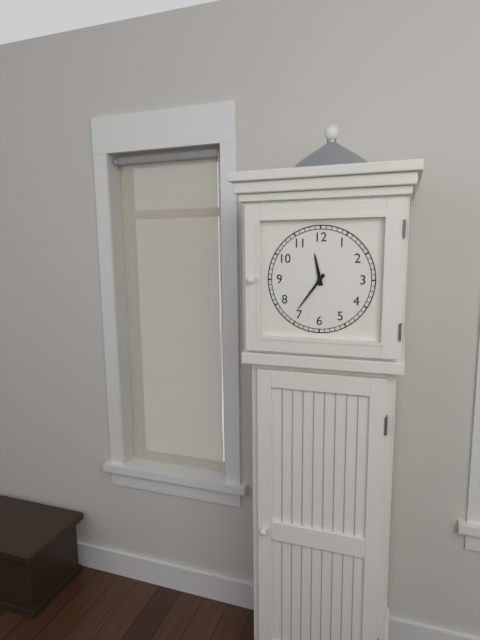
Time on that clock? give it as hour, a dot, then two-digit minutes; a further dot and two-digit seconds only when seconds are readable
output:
11.36
